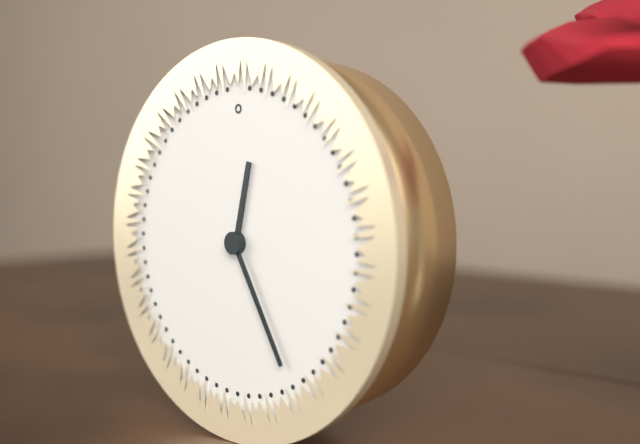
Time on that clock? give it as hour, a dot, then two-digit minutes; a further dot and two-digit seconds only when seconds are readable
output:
12.25
